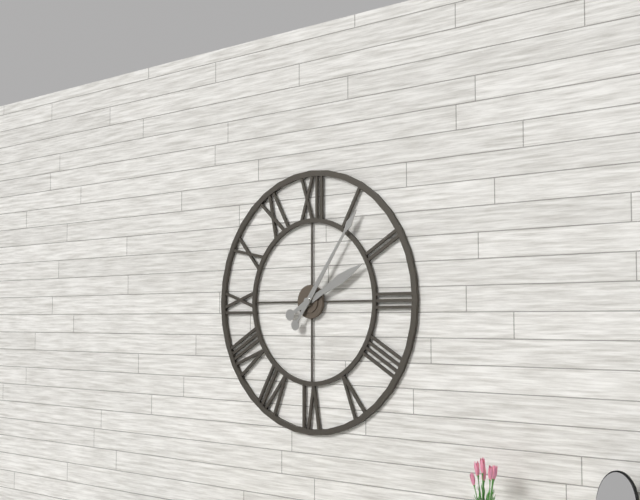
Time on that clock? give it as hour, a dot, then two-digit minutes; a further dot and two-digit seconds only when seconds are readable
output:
2.06
